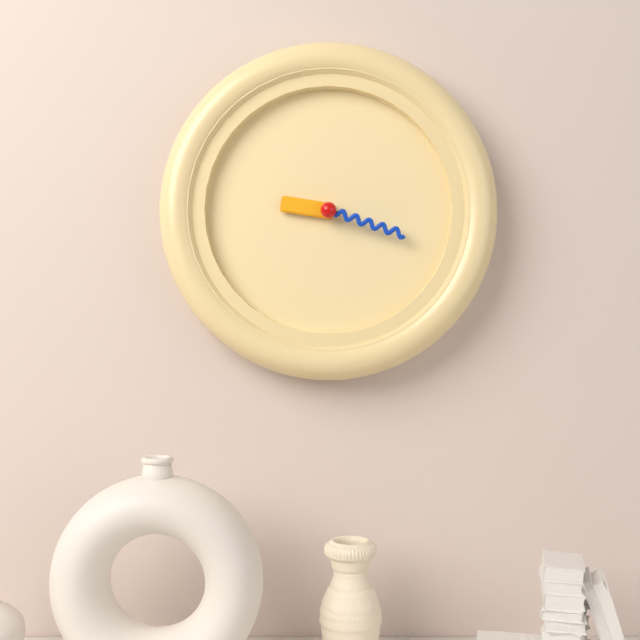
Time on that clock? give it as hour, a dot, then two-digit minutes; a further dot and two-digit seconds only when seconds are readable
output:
9.18
